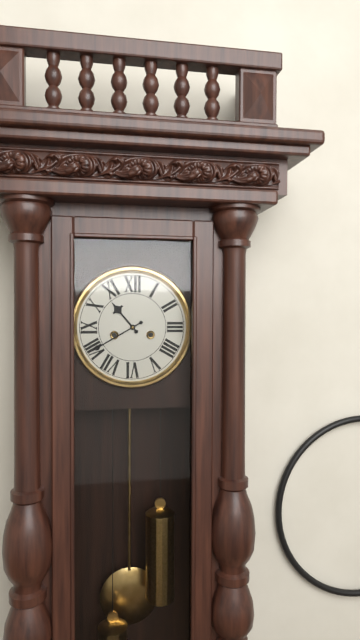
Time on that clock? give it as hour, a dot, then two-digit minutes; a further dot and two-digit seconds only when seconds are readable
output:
10.40
